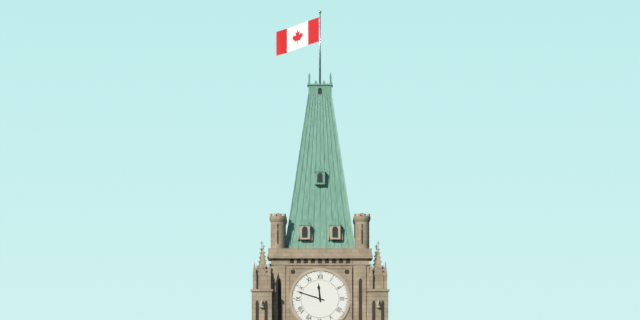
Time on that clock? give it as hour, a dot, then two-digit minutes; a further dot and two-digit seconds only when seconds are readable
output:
11.48
